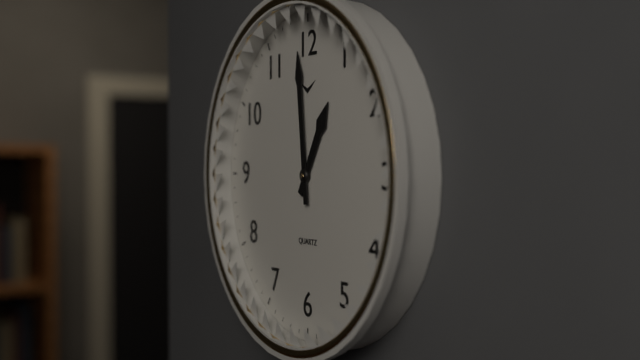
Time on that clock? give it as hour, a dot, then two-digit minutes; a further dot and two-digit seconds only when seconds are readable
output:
12.59
